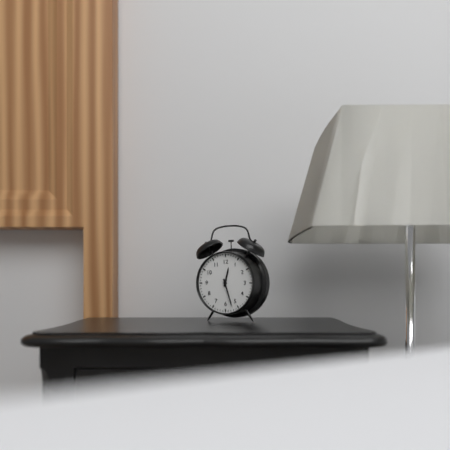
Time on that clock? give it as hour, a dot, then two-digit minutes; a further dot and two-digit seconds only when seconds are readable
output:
12.27
